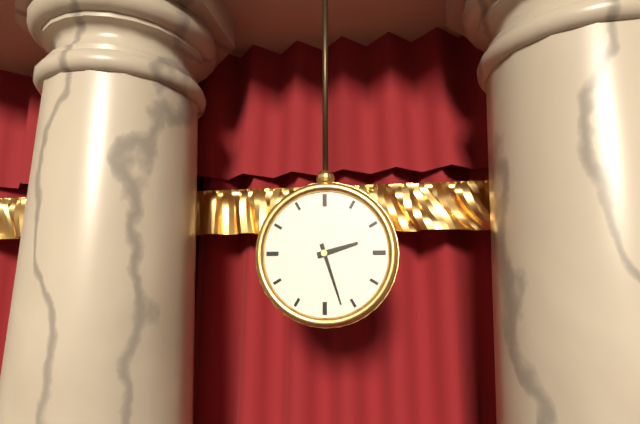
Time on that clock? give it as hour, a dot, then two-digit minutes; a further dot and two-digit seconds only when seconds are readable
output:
2.27
